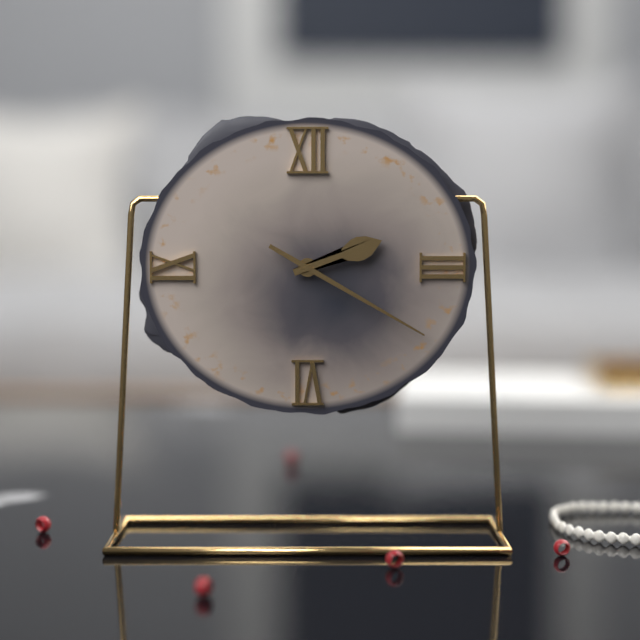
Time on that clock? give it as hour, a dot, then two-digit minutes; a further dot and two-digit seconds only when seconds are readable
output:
2.20
